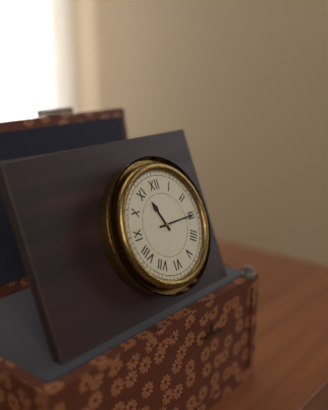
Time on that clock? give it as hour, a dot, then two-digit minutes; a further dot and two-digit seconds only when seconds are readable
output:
11.15
